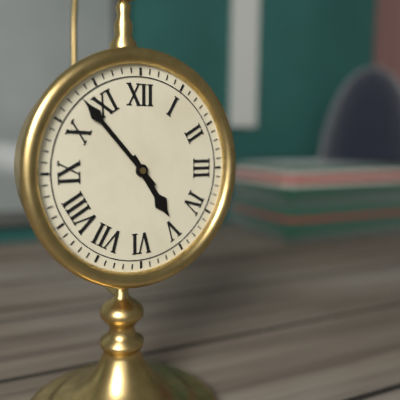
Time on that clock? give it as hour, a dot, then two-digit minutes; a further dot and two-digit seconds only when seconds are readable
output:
4.53
